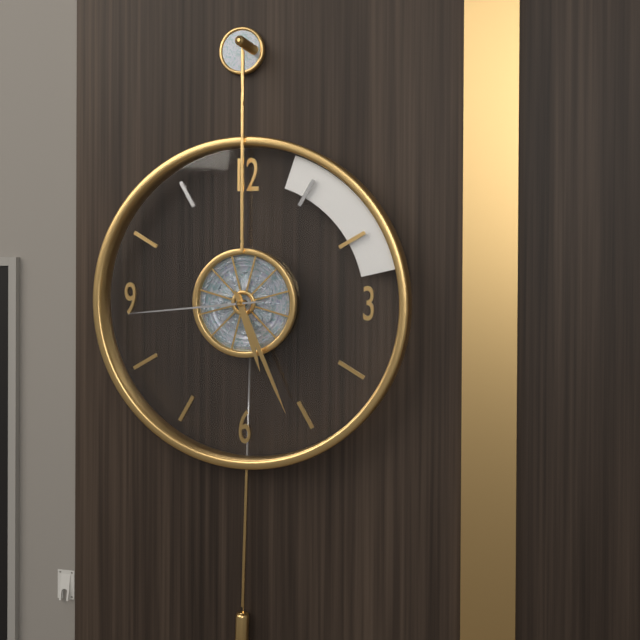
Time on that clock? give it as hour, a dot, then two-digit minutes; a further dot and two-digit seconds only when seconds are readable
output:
5.26.44
